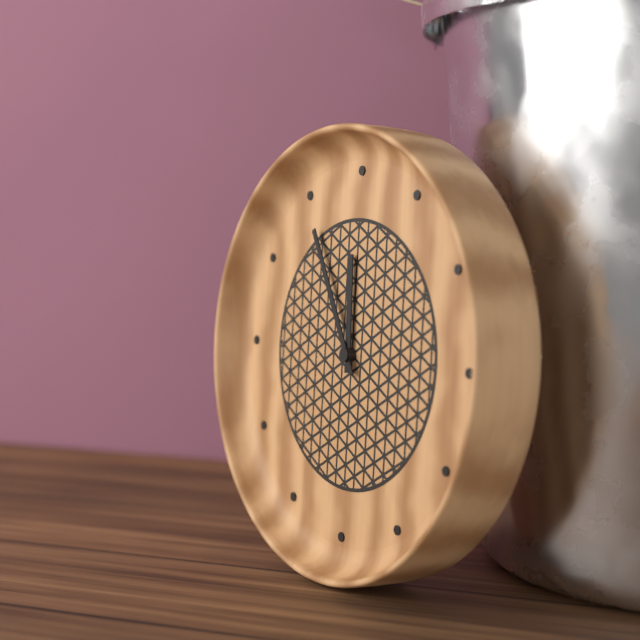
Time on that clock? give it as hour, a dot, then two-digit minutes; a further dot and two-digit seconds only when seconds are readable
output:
11.55
